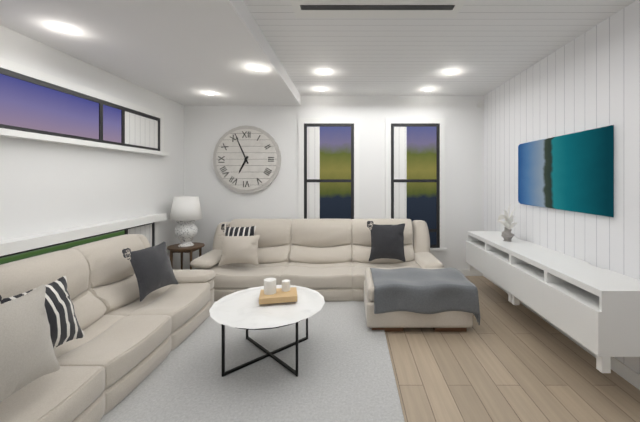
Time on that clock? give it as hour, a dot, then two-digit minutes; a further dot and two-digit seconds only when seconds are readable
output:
6.56
